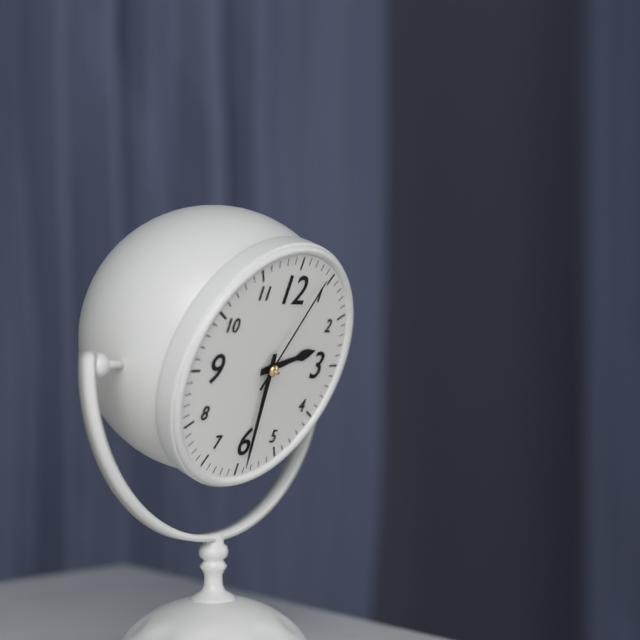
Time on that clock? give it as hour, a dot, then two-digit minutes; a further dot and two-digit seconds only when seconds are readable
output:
2.29.04
